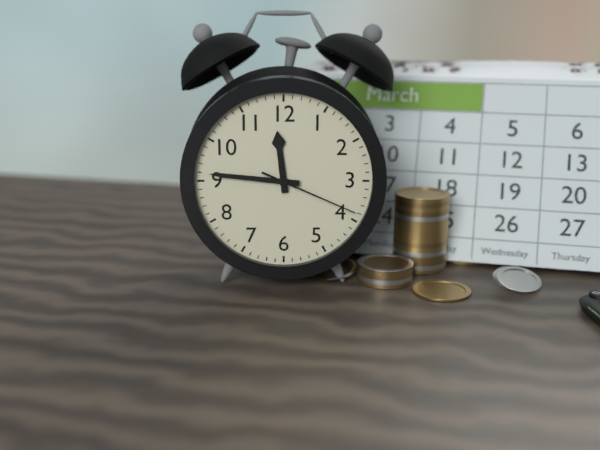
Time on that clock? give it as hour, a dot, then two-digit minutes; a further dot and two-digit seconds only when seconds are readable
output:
11.46.19
